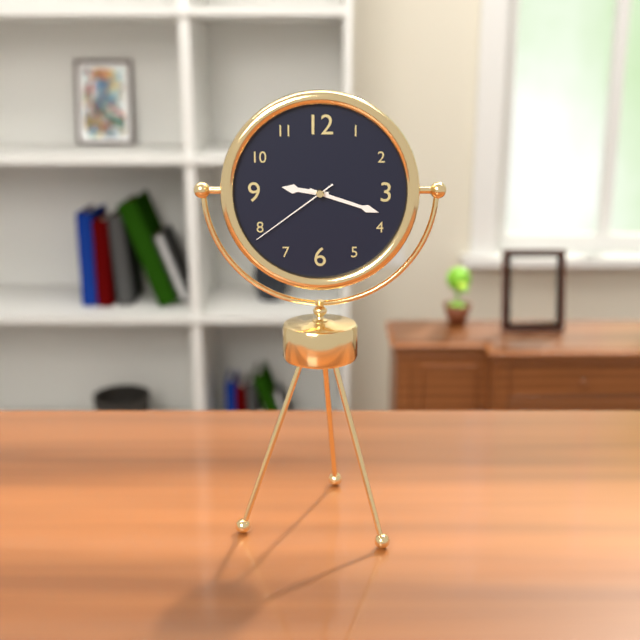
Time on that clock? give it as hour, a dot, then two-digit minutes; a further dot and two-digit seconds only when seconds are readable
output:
9.18.39
